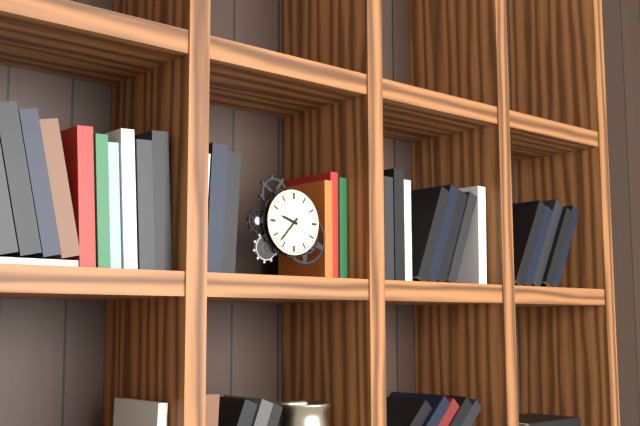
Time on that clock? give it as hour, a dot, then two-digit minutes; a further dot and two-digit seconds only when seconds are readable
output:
9.37
